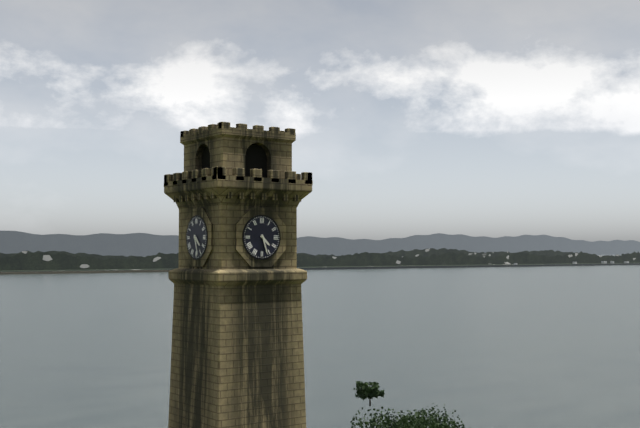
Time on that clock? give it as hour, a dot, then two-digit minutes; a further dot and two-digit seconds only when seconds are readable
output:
4.27
